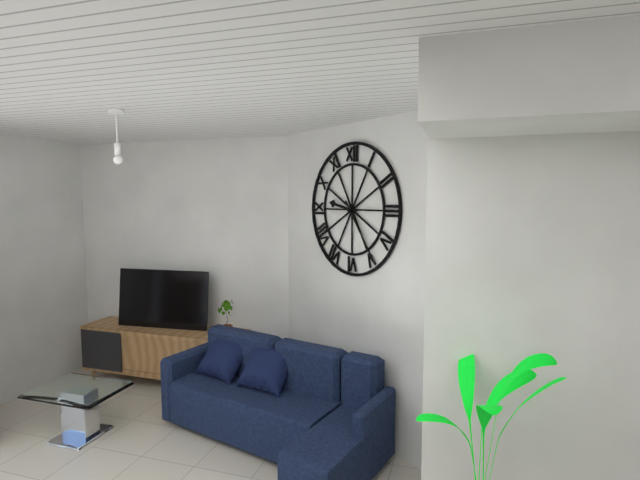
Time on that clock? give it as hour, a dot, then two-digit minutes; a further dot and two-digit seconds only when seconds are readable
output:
9.24
